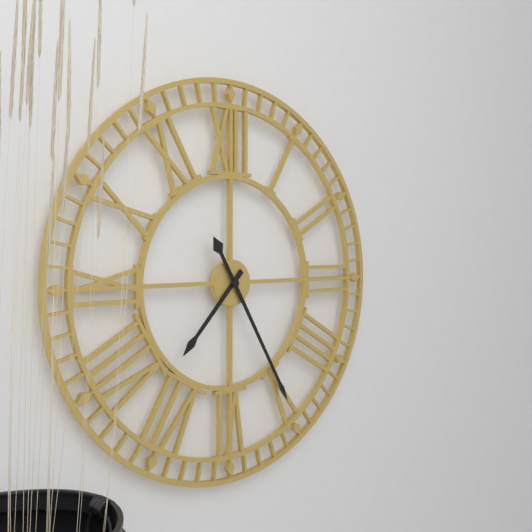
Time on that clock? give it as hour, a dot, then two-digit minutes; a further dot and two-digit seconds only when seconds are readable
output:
7.25
